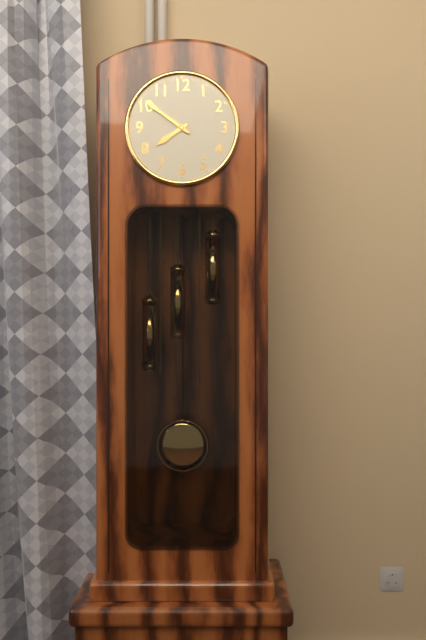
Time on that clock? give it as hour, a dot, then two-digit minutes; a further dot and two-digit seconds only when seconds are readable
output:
7.51
